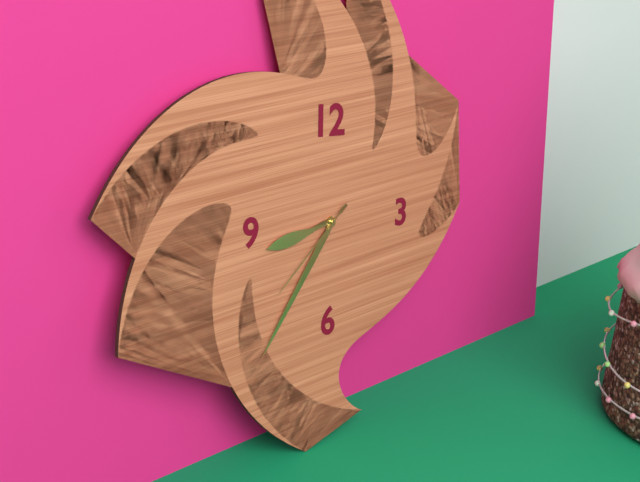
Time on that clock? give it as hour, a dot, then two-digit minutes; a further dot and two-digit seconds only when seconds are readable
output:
8.36.38
